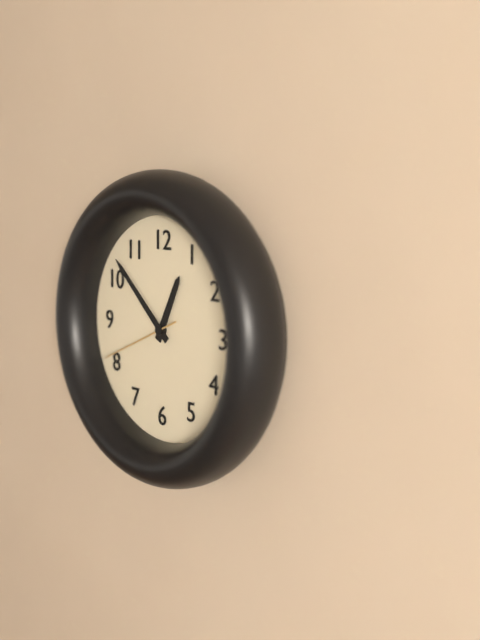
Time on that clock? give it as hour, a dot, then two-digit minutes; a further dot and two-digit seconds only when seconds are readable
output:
12.52.41
